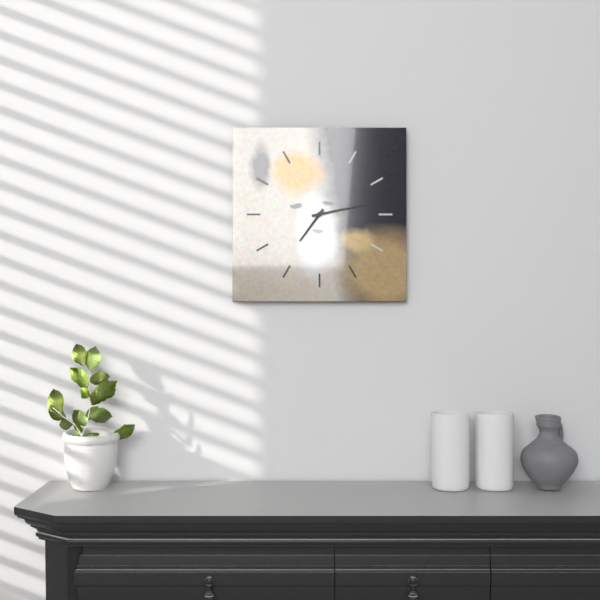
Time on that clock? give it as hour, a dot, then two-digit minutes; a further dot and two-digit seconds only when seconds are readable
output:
7.13
